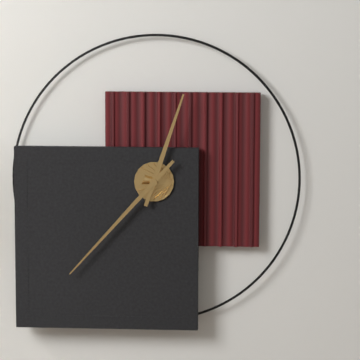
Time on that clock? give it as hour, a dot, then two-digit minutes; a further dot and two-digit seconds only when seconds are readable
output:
12.37
